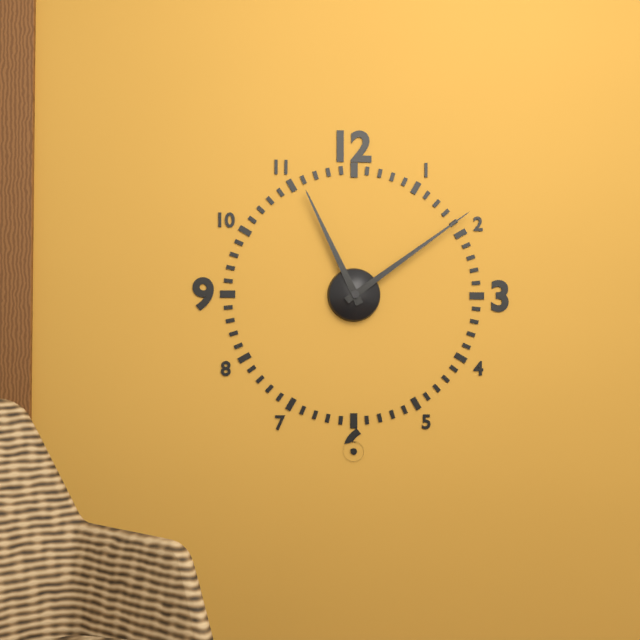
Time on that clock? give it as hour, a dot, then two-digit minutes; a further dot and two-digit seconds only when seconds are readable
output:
11.09
